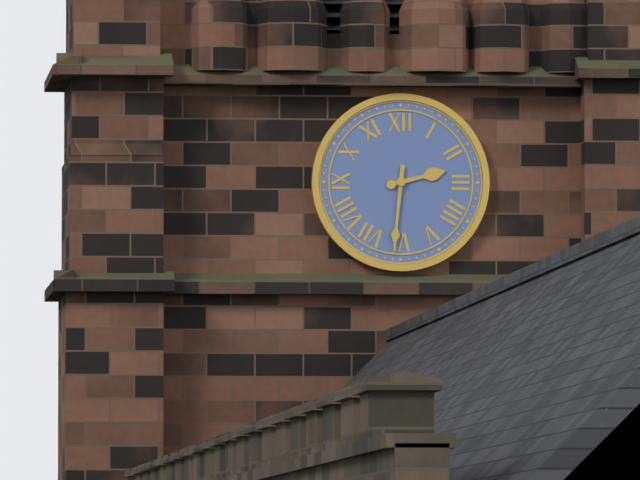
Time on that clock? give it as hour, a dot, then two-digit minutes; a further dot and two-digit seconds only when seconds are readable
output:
2.31
